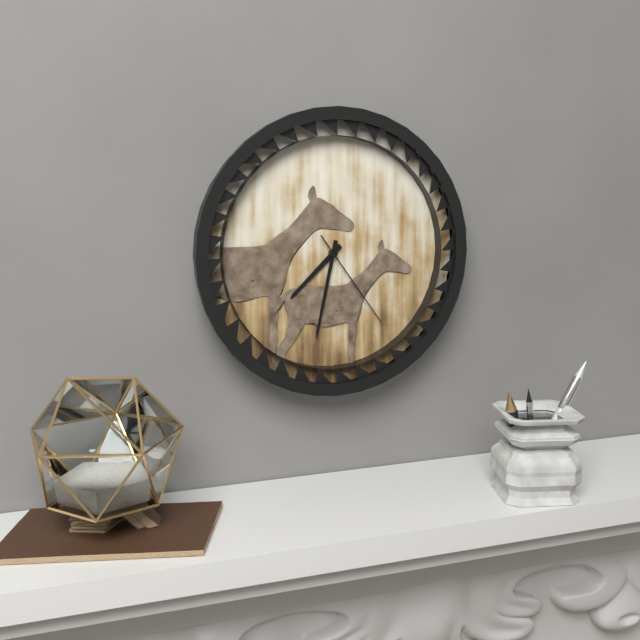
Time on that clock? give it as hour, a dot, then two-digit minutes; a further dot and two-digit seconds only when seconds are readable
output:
7.32.24
